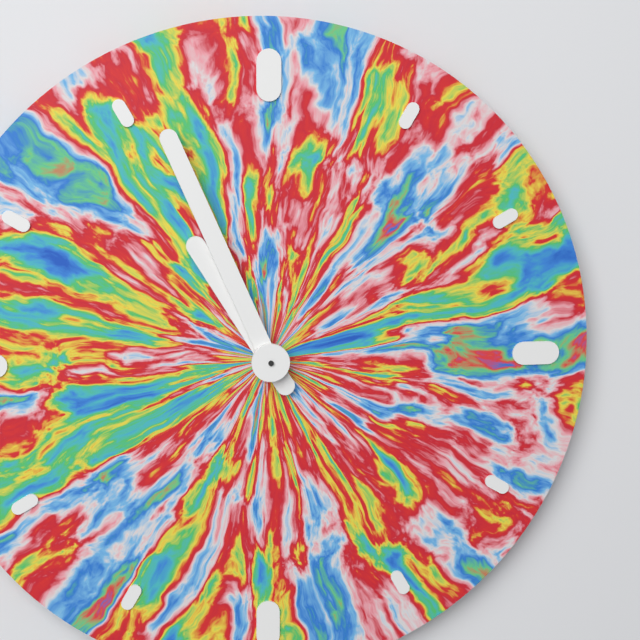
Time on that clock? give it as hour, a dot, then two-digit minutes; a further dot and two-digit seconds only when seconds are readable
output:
10.56
